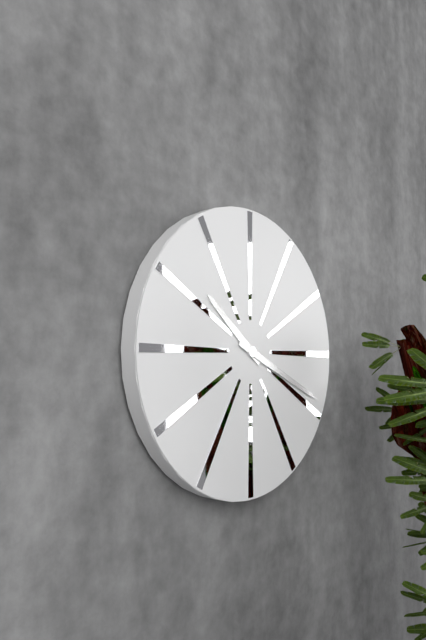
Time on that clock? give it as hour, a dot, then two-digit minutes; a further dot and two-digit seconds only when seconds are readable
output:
10.19
